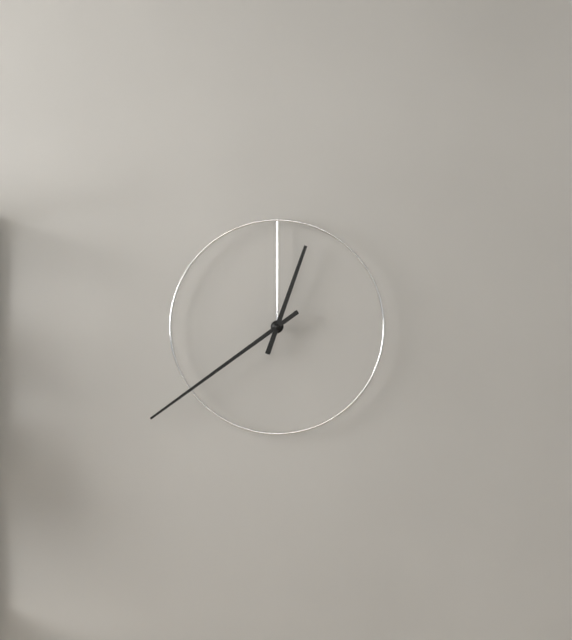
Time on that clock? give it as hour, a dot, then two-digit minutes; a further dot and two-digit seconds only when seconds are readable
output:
12.39
